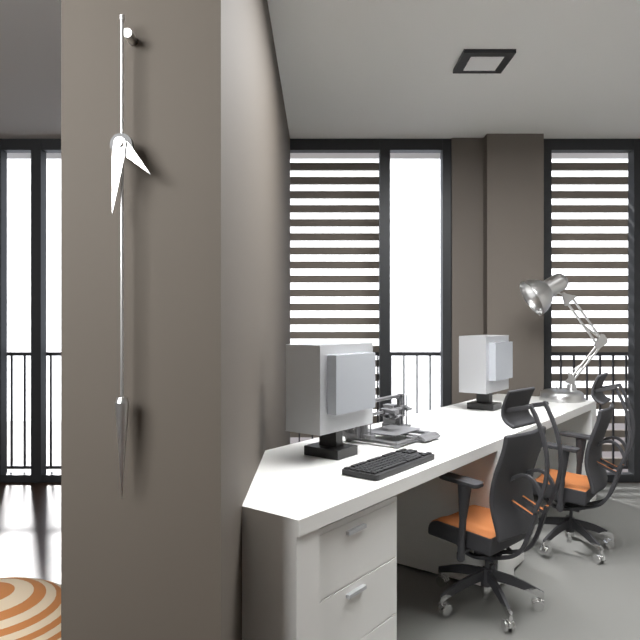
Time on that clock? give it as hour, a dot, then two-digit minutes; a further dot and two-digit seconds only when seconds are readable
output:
4.31
